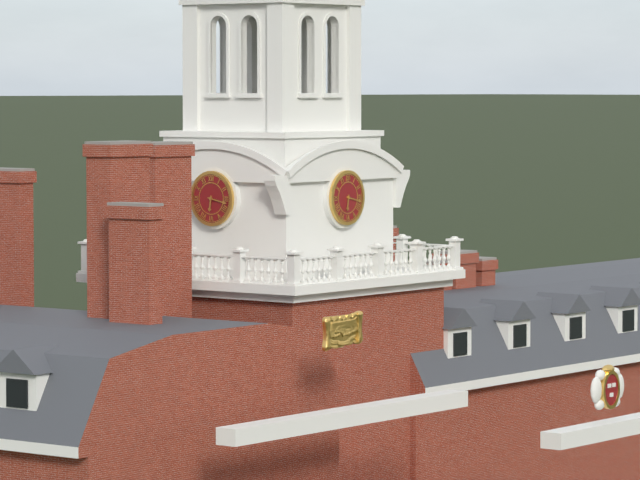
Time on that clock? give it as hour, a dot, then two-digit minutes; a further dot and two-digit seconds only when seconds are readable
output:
6.17
